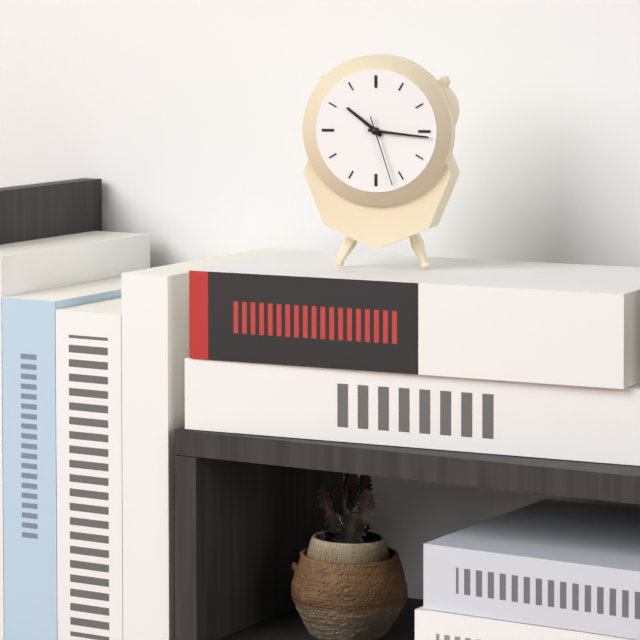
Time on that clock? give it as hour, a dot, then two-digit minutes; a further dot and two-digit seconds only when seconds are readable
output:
10.16.27
